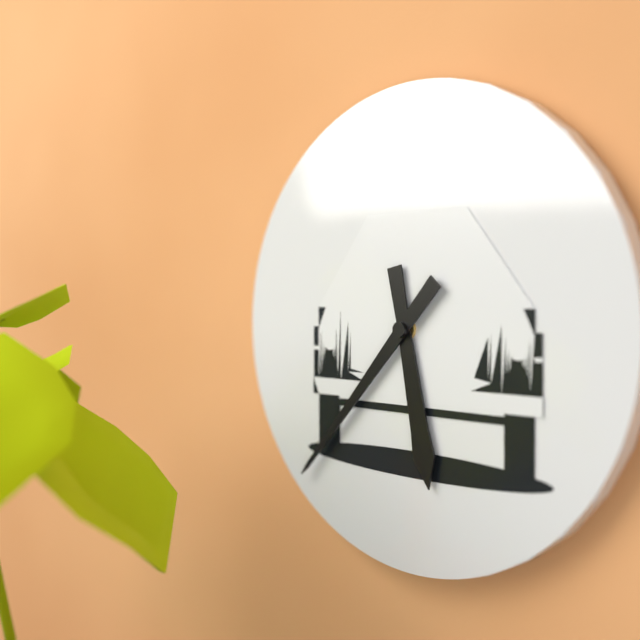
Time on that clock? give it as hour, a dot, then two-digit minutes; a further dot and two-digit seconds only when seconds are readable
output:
5.37
